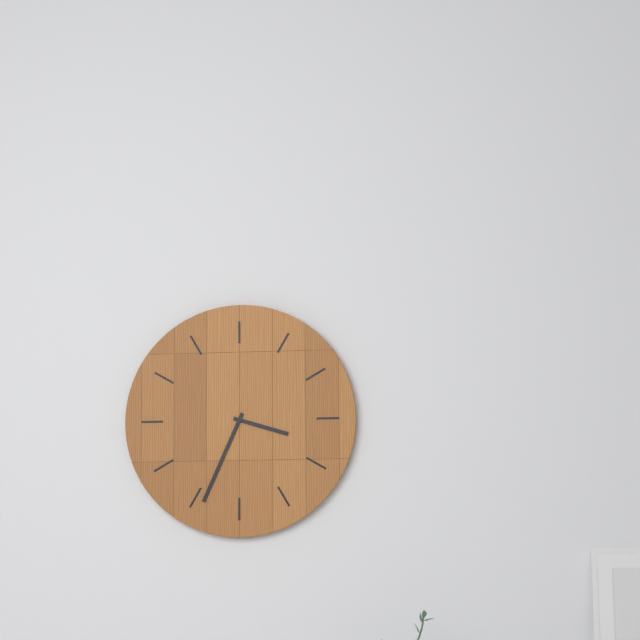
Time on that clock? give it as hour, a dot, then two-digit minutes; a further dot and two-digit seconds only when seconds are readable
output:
3.34
